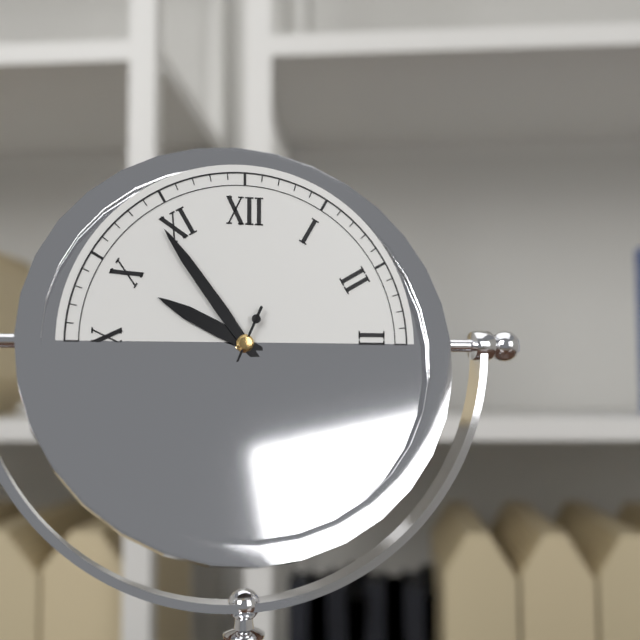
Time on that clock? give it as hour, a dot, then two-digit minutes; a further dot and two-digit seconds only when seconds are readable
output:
9.54
